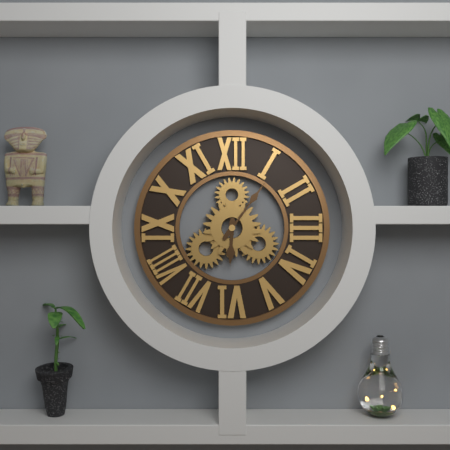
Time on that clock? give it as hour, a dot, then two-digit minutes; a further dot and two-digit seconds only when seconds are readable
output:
6.06
